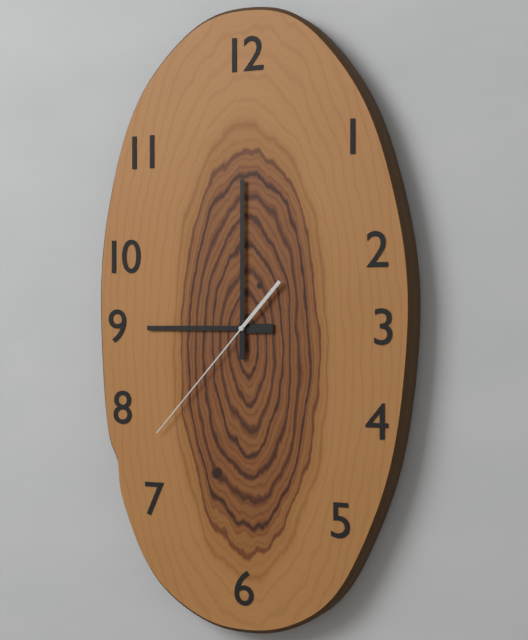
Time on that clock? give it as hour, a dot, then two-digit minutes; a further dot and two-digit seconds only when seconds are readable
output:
9.00.37
